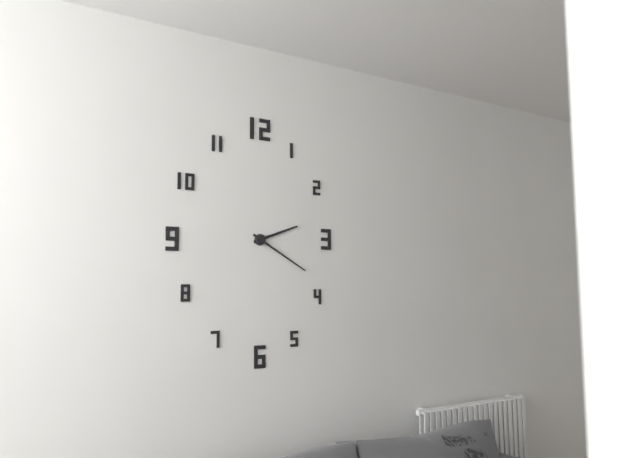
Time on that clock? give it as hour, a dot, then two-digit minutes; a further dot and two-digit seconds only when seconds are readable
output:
2.20
